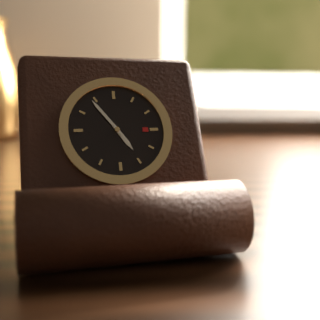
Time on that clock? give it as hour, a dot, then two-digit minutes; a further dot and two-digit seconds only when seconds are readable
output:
4.54
